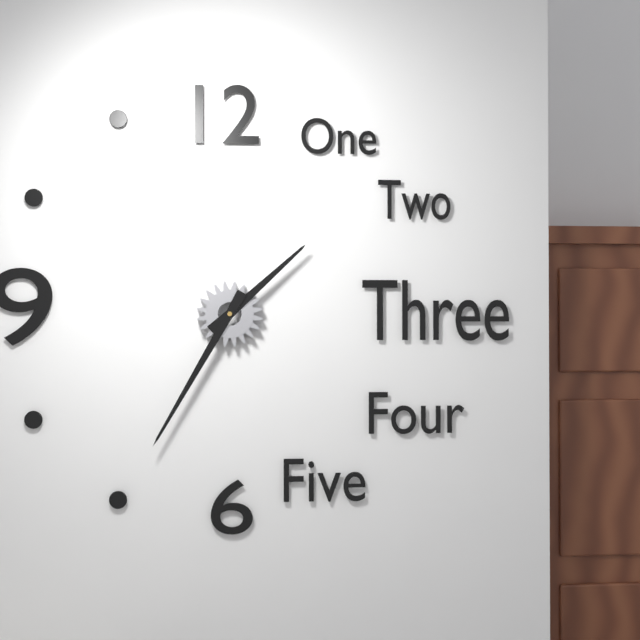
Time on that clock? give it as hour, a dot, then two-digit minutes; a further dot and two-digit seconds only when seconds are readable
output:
1.35
